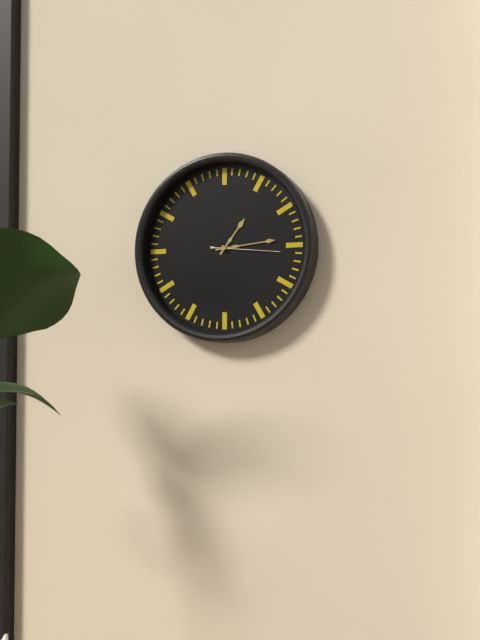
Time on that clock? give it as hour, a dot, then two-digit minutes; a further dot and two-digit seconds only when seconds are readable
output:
1.14.16
